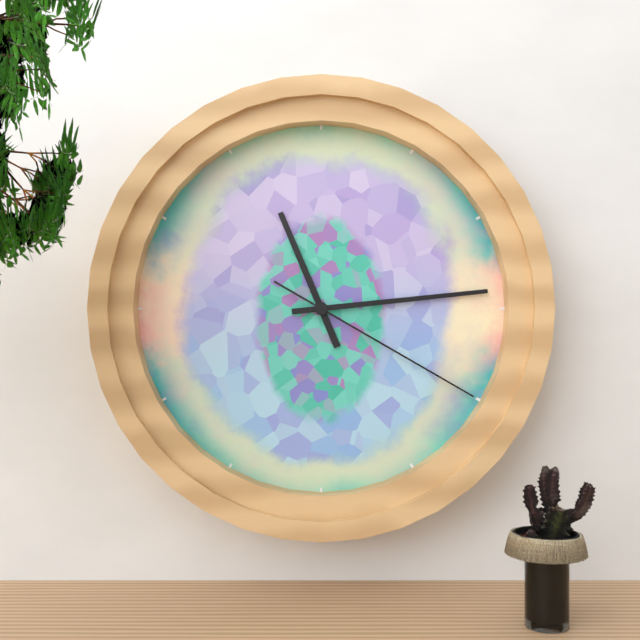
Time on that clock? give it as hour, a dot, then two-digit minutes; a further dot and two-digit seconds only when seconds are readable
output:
11.14.20
